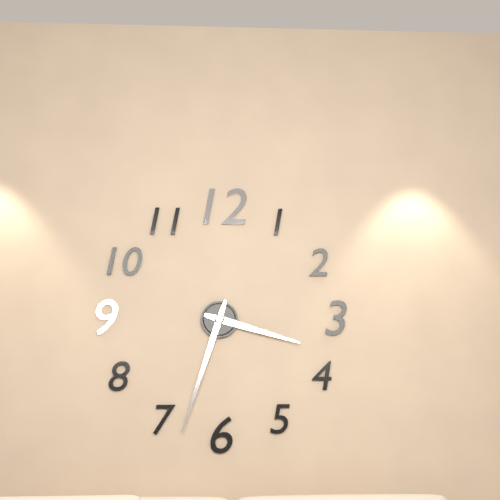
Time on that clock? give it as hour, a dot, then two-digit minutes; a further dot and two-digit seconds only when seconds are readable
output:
3.33
